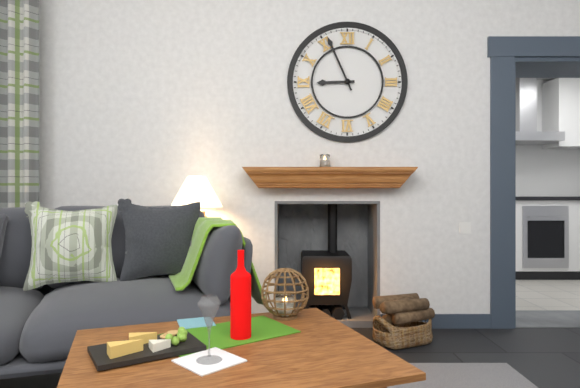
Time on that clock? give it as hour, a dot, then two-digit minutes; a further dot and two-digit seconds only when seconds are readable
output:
8.56
